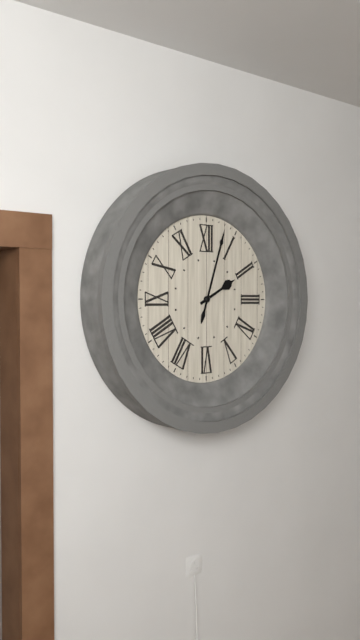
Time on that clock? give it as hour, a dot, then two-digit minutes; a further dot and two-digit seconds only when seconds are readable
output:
2.03
